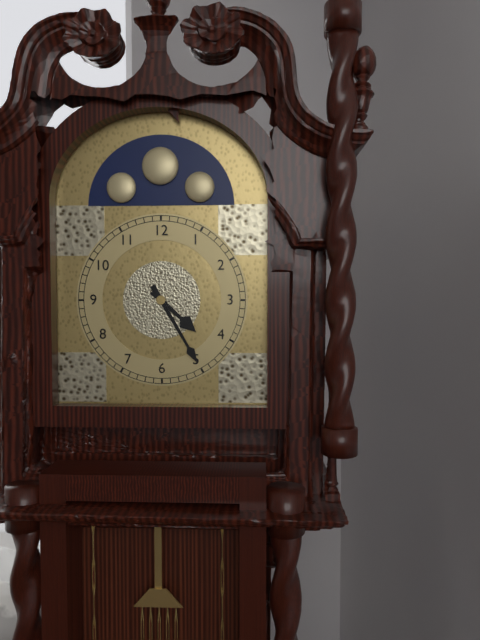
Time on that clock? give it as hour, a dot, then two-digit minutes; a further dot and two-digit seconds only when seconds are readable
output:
4.25
